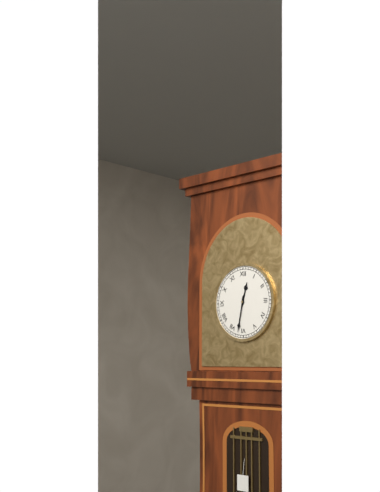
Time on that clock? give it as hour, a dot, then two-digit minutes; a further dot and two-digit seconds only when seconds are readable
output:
12.32
